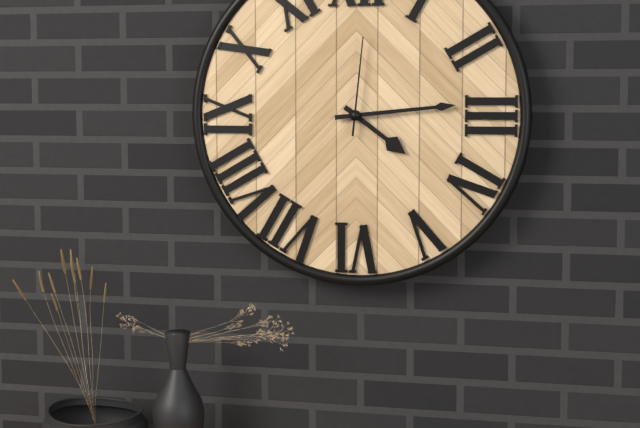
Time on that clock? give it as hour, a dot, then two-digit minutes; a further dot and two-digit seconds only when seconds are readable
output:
4.14.01
